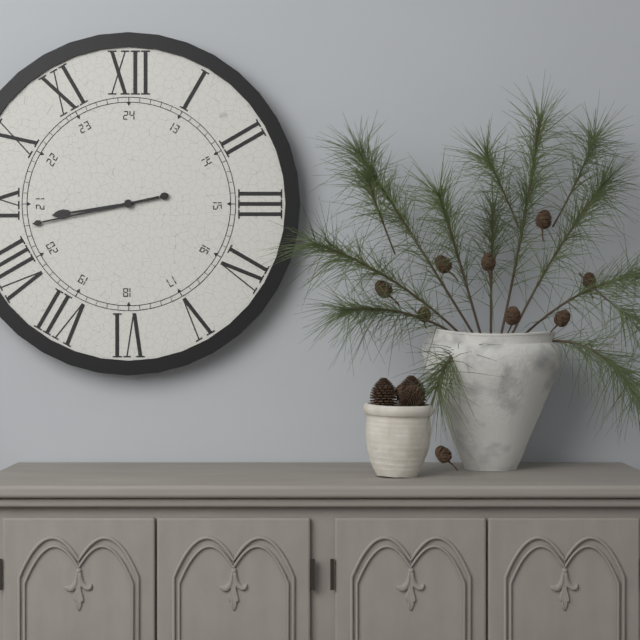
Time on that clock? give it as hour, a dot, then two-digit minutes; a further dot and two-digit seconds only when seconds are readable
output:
8.43
